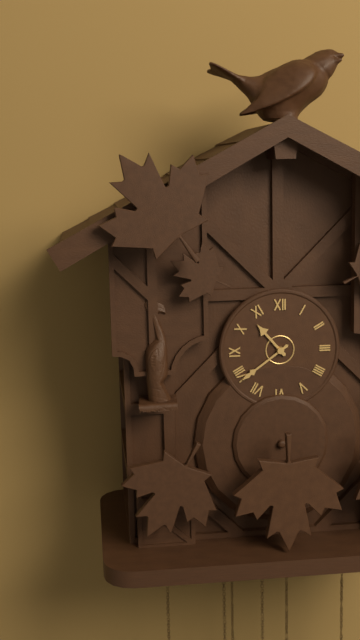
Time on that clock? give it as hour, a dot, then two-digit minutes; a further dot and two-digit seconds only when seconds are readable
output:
10.39
